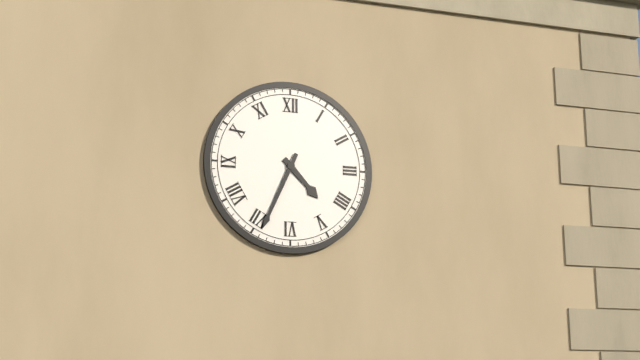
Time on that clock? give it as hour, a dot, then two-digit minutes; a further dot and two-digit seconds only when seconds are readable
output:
4.34
